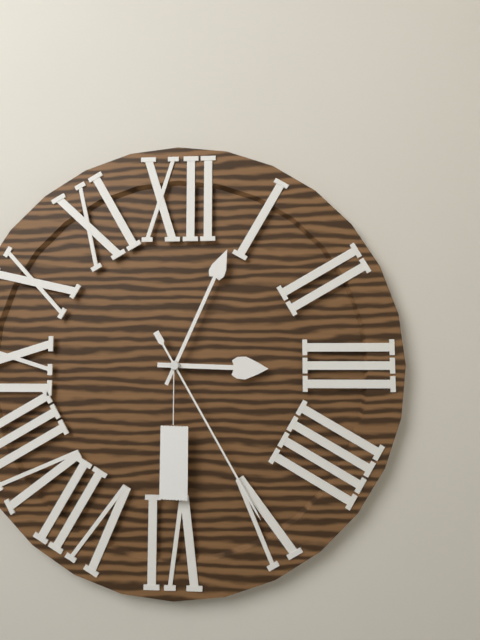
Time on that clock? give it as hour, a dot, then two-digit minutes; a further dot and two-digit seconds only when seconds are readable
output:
3.04.25
